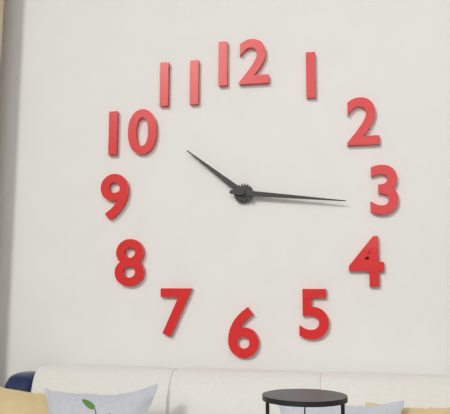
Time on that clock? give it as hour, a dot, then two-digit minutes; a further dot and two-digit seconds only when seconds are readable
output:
10.16
